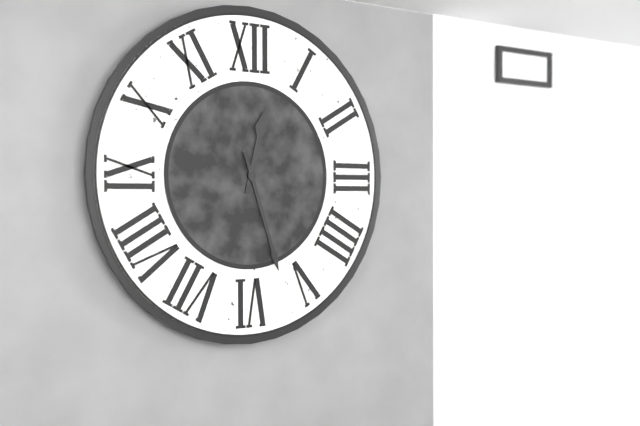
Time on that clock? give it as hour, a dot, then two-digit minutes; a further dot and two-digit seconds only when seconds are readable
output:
12.27
